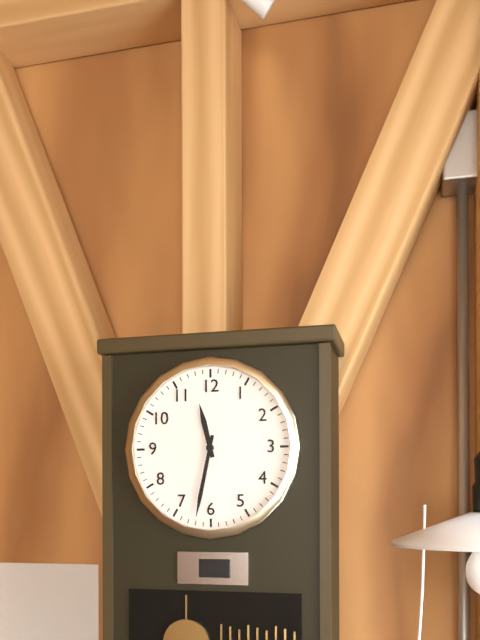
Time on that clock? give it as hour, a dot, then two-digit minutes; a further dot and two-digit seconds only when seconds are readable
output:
11.32
